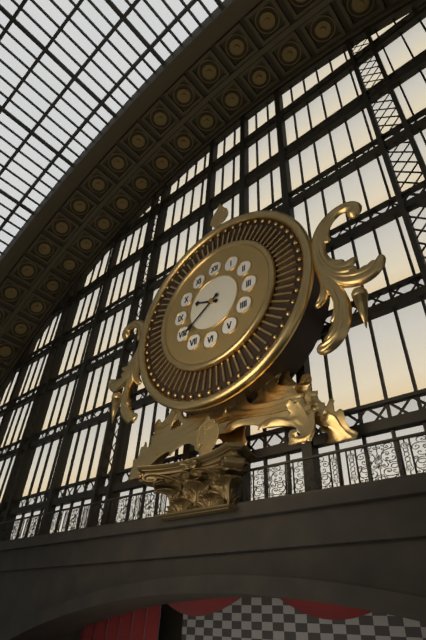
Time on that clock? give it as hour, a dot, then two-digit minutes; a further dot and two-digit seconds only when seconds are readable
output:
9.39
